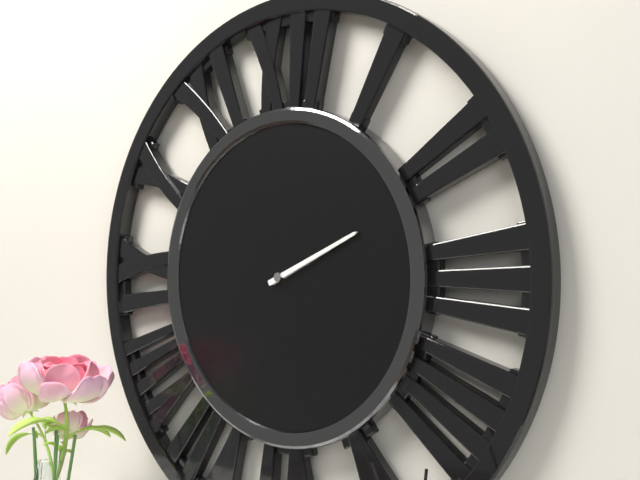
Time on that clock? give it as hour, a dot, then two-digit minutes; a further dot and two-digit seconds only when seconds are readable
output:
2.11
